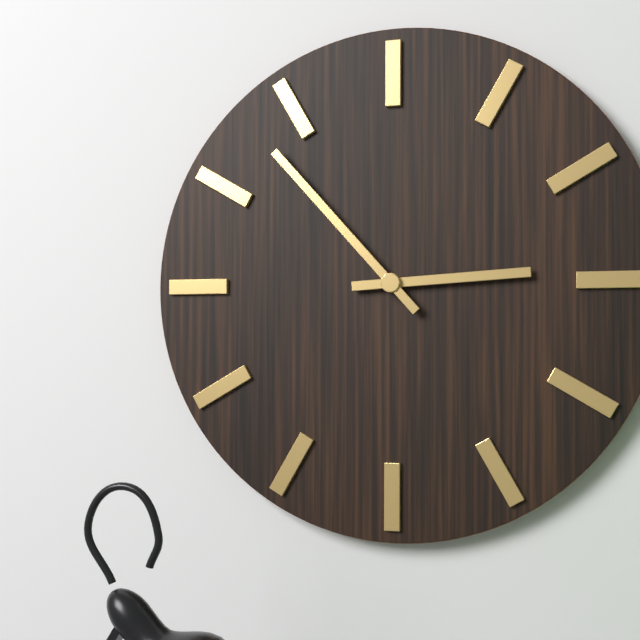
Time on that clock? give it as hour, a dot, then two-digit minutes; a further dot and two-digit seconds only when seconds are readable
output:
2.53
